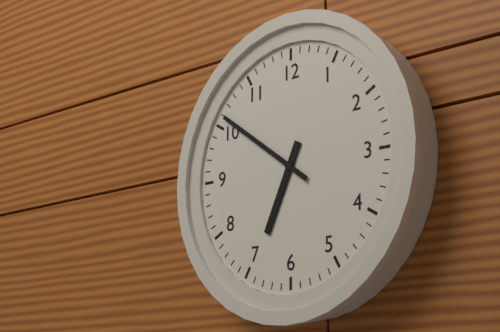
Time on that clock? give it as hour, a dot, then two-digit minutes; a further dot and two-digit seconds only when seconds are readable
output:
6.51
